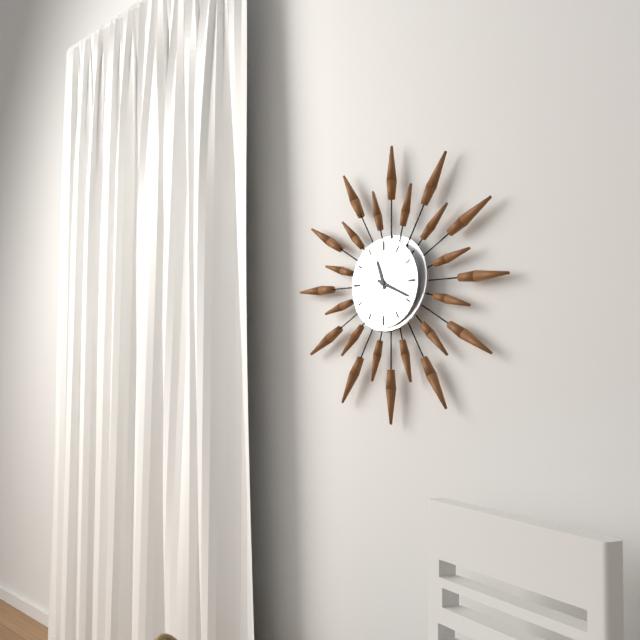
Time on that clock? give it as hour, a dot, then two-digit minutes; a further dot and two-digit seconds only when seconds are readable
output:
11.19
